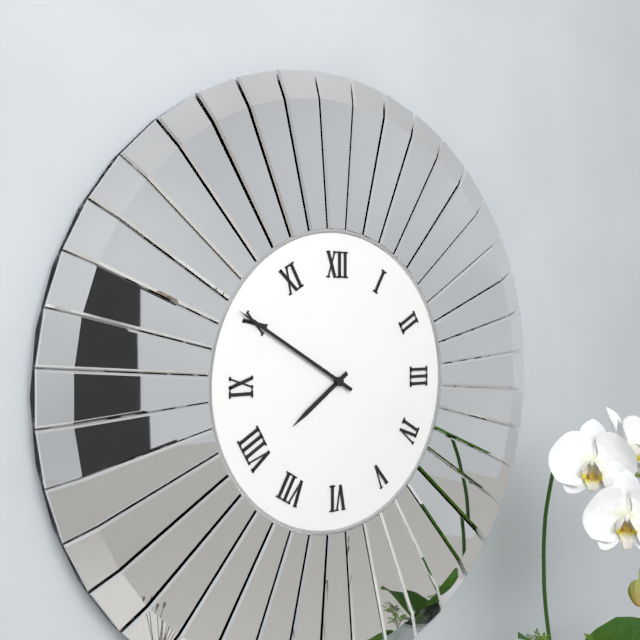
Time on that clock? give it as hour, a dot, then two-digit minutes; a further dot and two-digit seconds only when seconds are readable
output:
7.50
